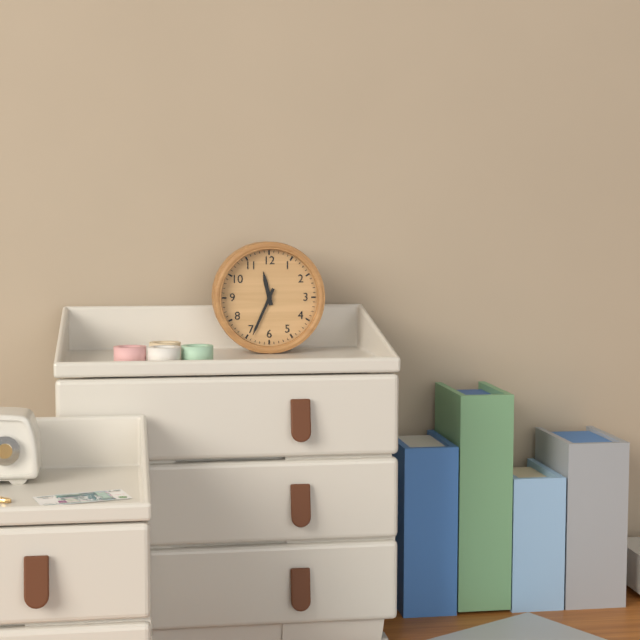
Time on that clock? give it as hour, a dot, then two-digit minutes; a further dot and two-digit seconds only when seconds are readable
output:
11.34
